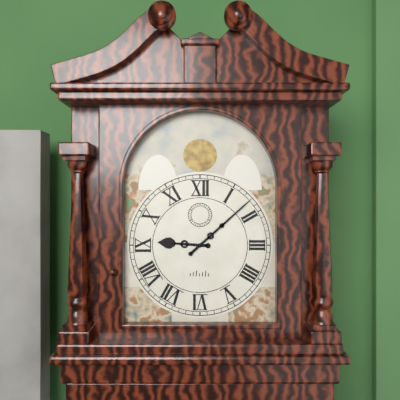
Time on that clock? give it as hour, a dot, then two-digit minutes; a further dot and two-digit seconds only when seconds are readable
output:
9.08
